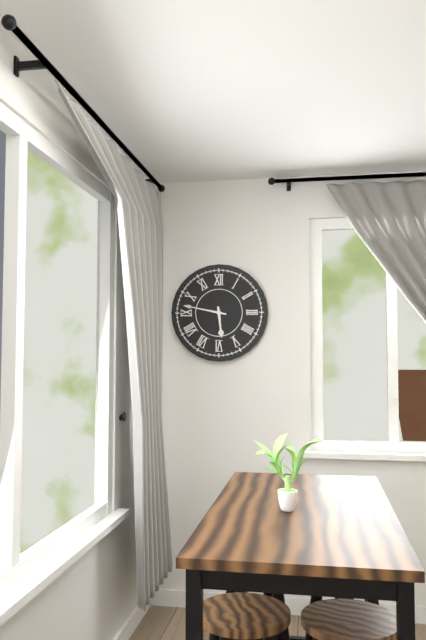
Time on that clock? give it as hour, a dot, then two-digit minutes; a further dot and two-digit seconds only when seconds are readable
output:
5.47
